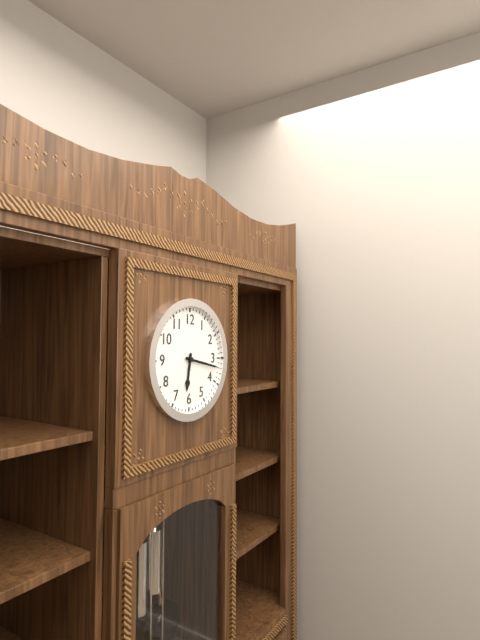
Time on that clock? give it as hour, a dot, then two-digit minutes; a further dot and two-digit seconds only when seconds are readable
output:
6.17
